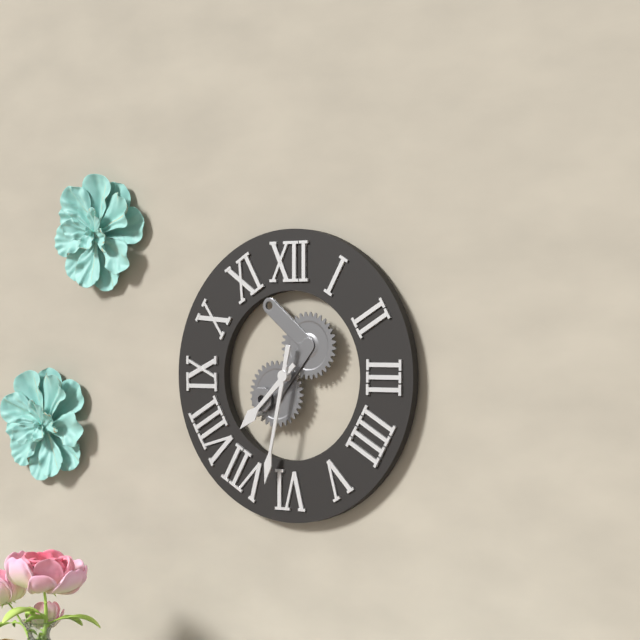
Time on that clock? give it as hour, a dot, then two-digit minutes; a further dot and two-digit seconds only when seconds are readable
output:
7.32
